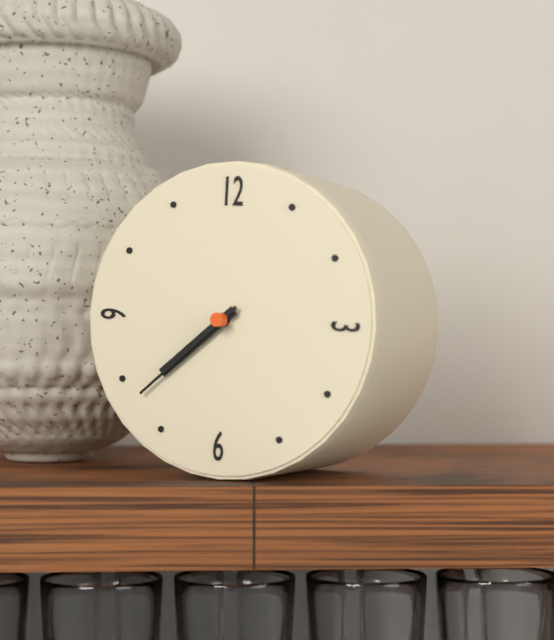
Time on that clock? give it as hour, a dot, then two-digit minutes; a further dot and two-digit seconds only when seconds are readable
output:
7.38
